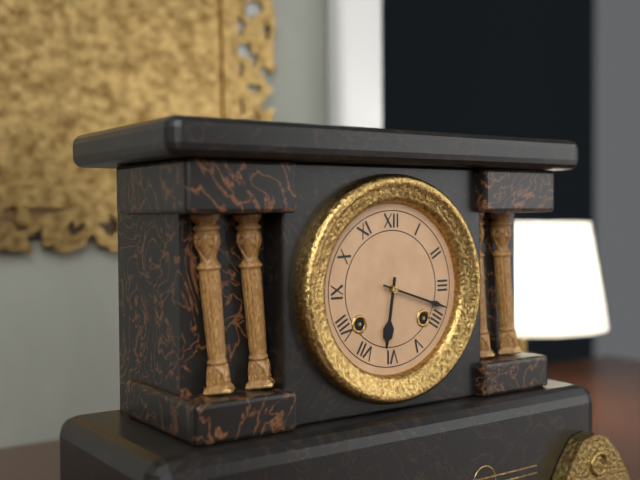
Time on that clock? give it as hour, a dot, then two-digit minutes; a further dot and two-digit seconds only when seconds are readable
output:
6.18
